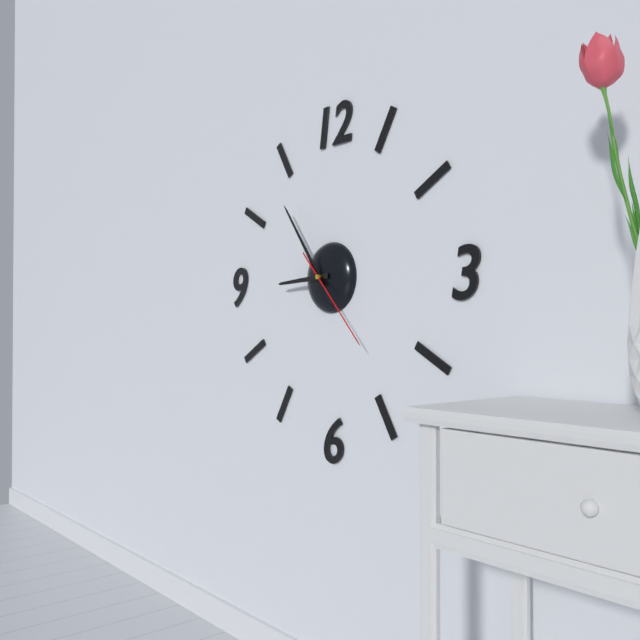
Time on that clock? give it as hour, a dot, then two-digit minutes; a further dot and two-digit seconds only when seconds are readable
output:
8.54.23
